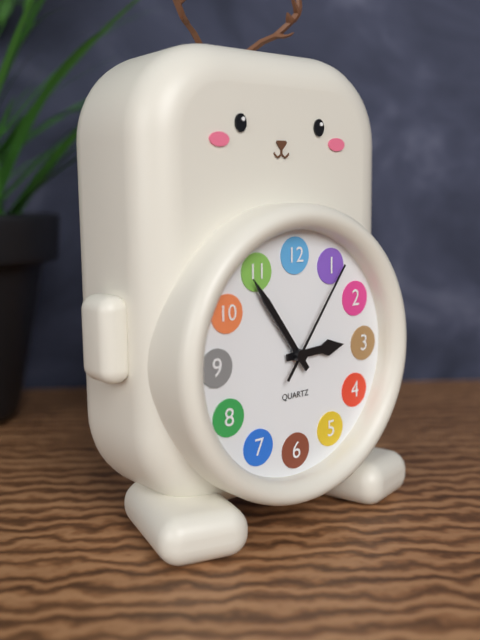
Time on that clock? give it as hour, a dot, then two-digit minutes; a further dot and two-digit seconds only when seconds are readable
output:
2.54.06
